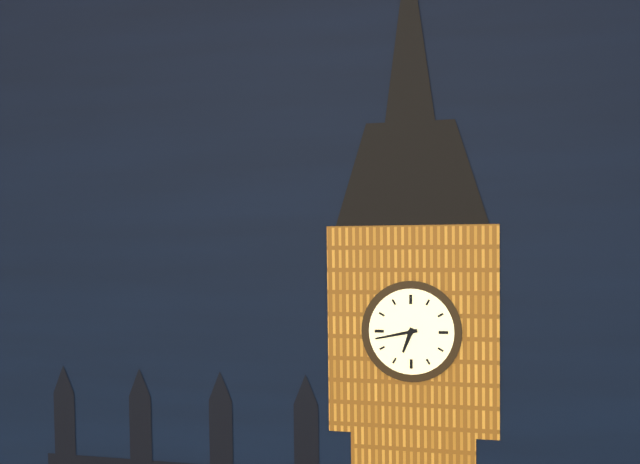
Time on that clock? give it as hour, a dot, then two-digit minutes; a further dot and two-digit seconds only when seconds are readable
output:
6.43
